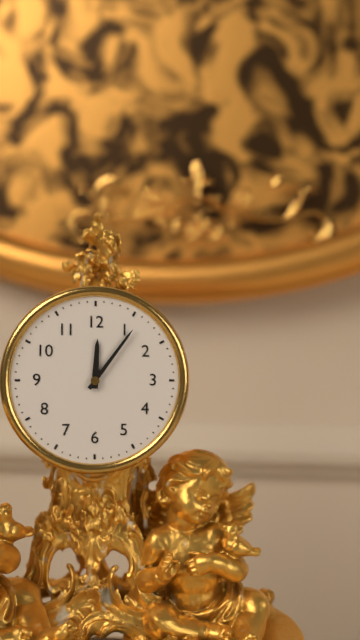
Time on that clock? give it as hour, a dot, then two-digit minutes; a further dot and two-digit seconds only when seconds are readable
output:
12.06
